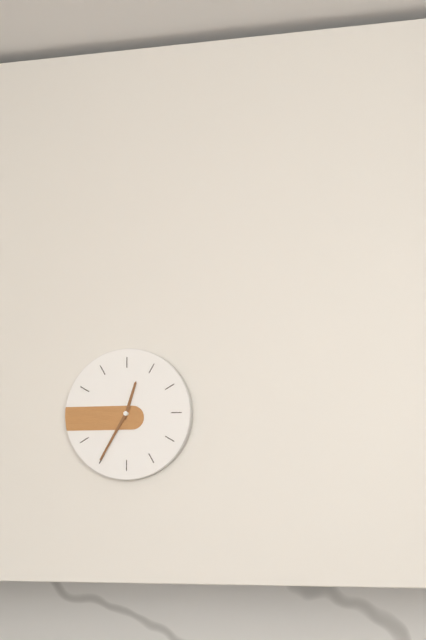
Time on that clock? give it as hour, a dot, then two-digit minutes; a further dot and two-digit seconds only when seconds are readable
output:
12.35
